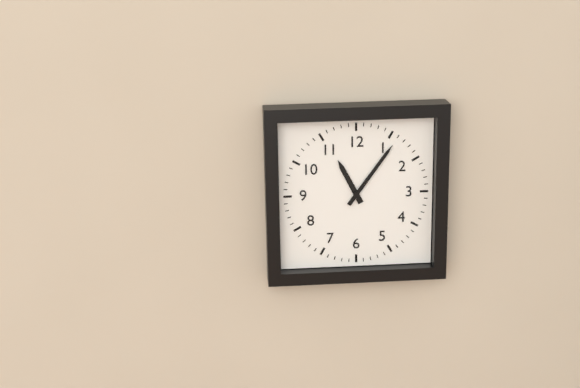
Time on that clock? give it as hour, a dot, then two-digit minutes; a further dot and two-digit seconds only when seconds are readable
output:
11.06
